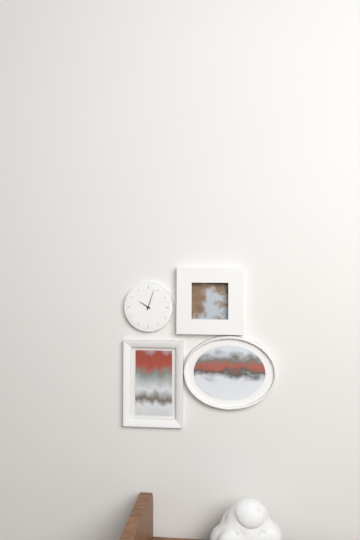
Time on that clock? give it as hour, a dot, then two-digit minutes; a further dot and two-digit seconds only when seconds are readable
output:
10.03
